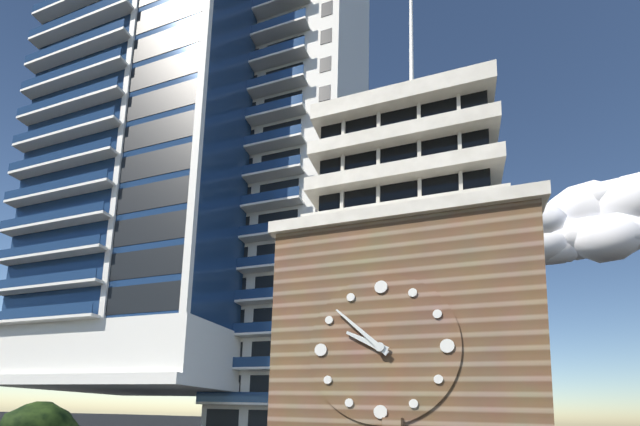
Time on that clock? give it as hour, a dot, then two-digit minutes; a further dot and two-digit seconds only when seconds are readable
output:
9.52
